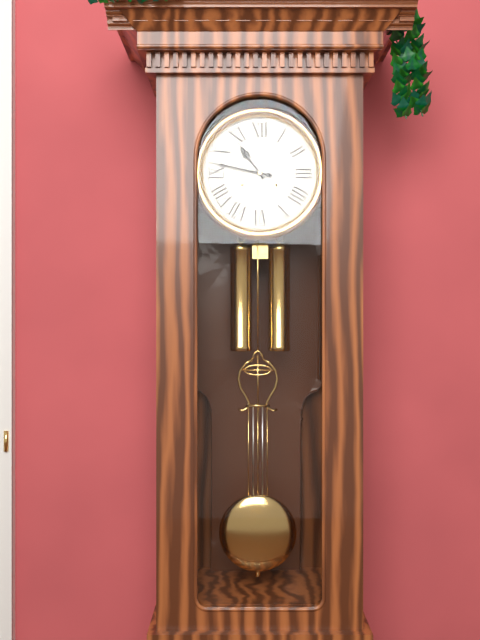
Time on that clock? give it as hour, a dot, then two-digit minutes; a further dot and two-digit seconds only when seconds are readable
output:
10.47
